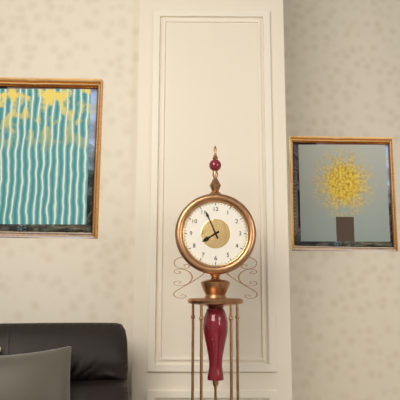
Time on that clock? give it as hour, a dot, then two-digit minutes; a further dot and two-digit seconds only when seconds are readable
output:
7.56
